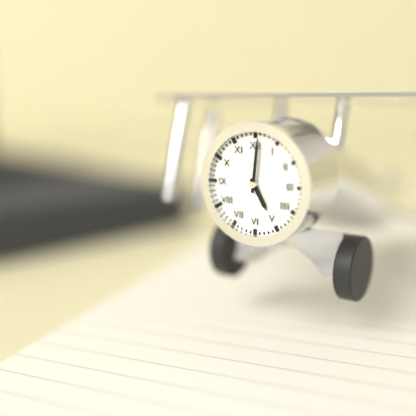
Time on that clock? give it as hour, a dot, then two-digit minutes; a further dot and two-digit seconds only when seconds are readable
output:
5.01
